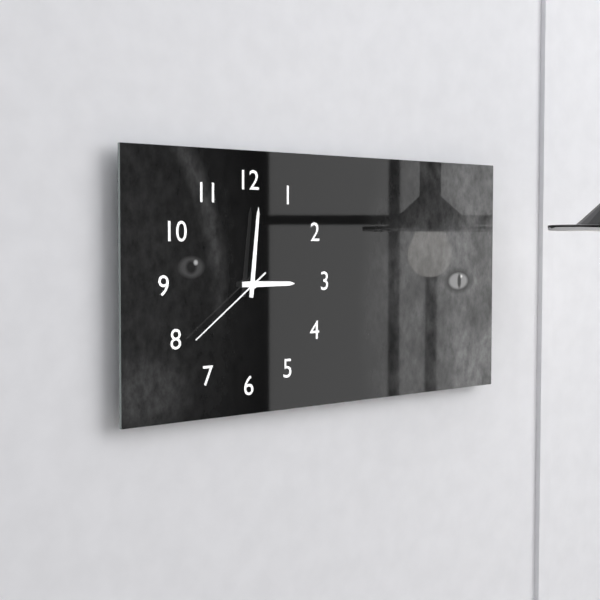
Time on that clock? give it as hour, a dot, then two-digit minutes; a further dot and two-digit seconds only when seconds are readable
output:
3.01.39
